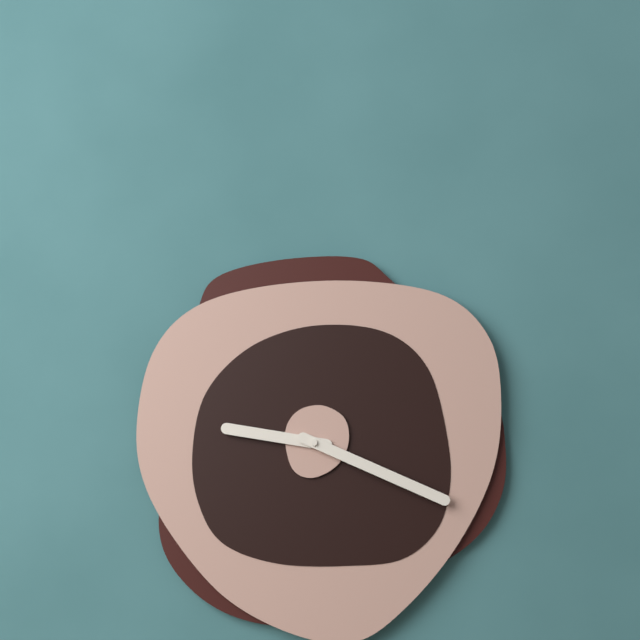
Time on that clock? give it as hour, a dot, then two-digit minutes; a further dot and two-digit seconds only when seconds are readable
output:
9.19
